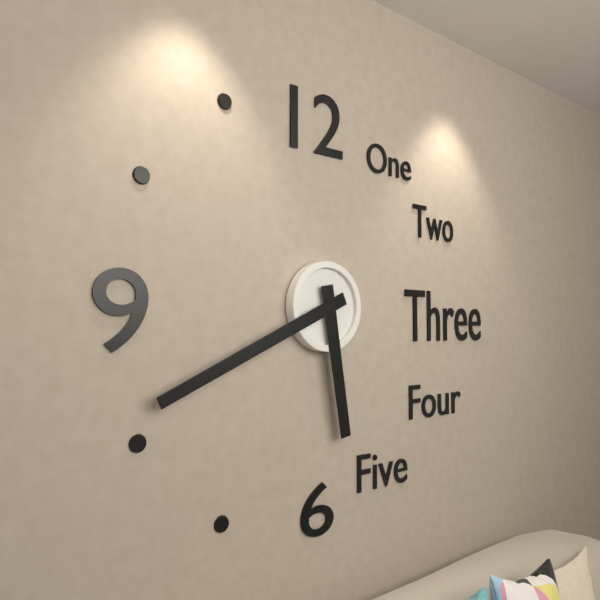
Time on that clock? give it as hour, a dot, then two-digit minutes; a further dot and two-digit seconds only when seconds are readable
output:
5.41
